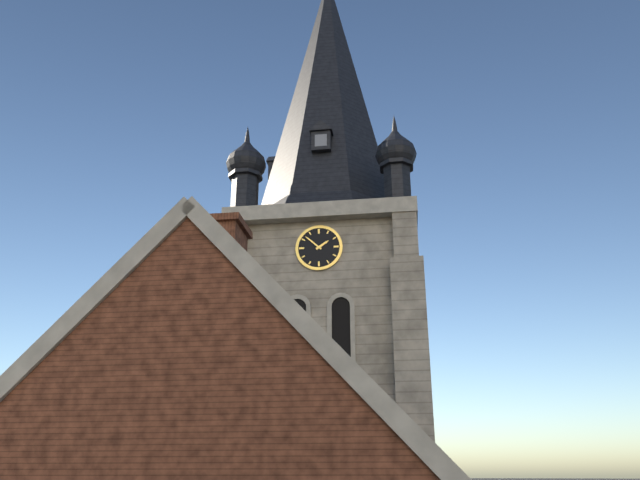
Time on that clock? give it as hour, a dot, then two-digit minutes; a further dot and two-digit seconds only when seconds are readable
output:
1.52
